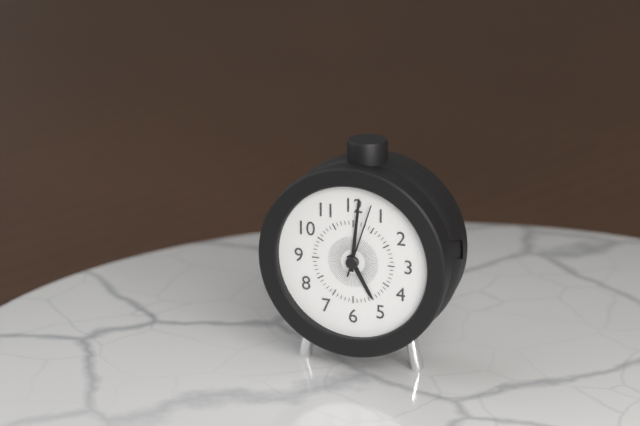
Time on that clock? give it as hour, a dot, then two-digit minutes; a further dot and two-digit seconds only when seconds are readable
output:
5.01.03
